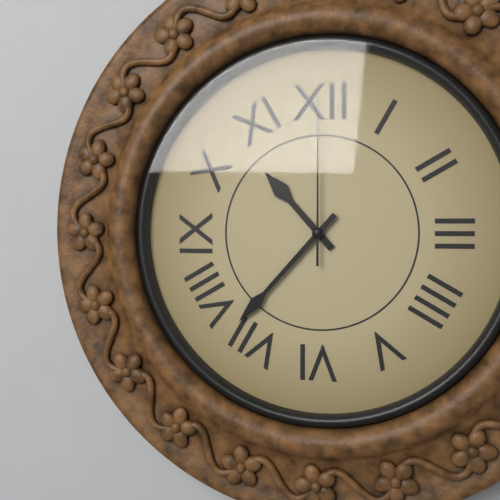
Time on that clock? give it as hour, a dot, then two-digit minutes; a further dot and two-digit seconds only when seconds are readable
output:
10.37.00
